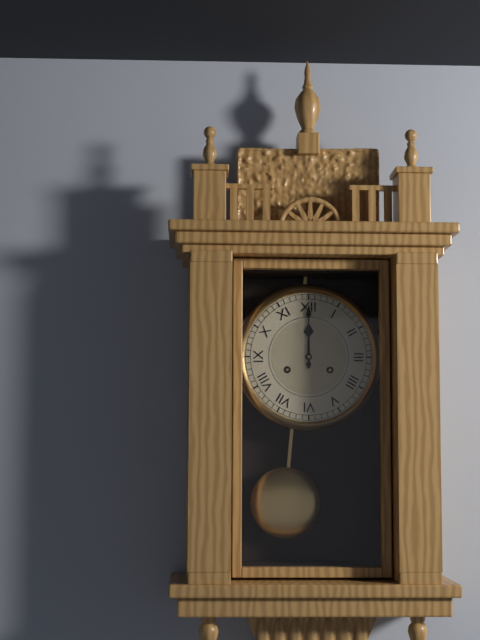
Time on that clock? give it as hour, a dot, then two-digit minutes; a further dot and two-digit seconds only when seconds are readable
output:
12.00
